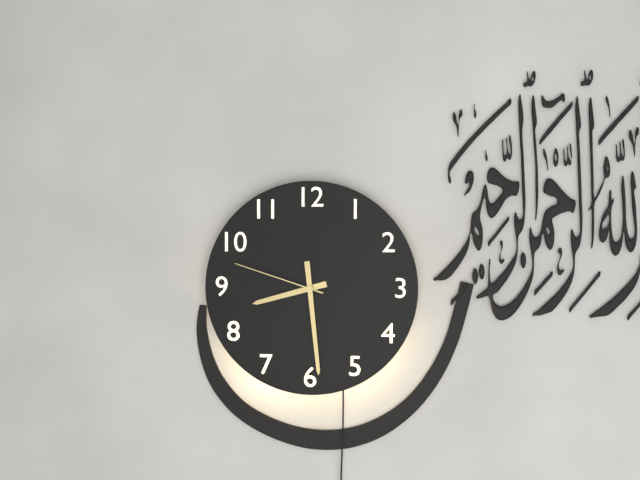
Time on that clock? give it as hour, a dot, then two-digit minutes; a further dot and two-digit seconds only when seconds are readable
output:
8.29.48
